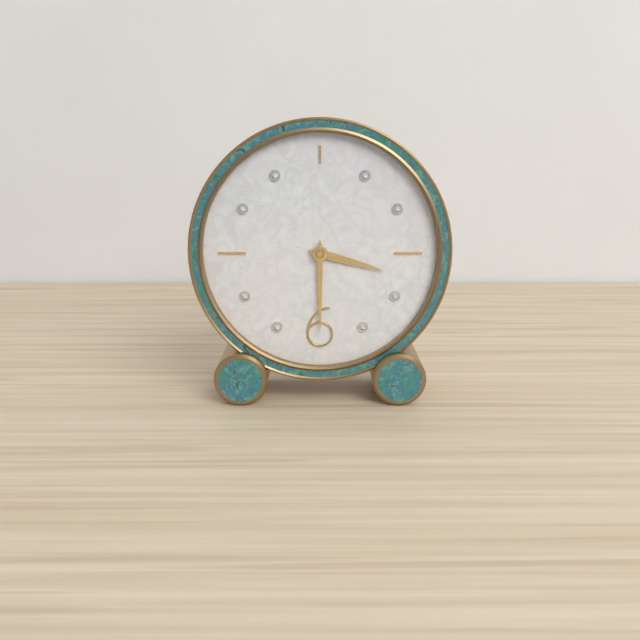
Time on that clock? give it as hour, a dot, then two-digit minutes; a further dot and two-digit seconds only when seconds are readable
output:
3.30
